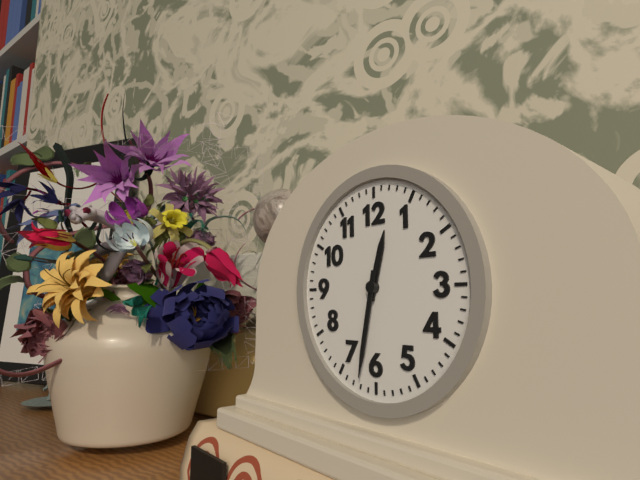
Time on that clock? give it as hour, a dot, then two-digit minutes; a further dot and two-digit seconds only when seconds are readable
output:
12.32
